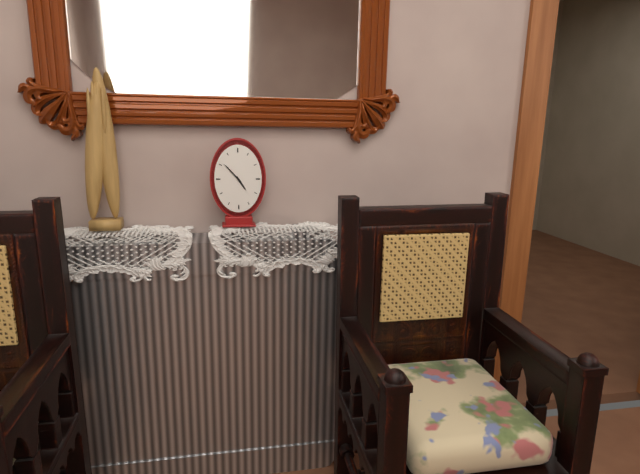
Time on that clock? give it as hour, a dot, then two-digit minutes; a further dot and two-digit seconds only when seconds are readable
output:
4.53
